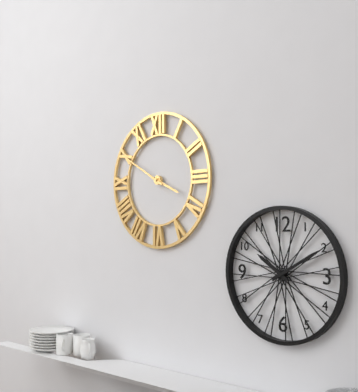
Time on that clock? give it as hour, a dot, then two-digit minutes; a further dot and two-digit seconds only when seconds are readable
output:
3.50
